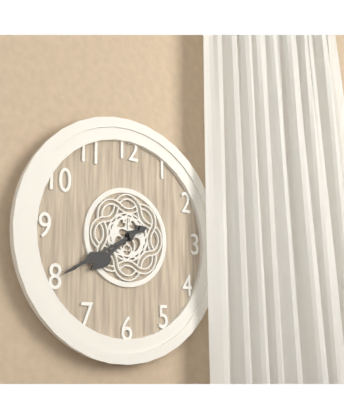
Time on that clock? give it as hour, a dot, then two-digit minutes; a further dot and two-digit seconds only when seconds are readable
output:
7.40
